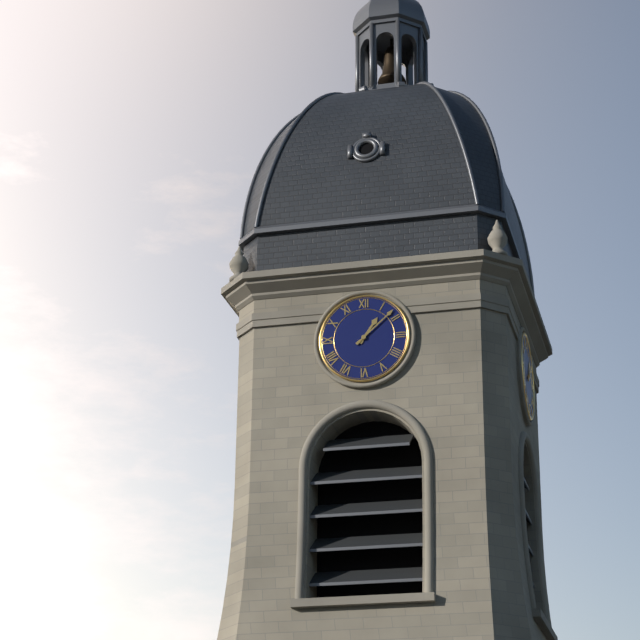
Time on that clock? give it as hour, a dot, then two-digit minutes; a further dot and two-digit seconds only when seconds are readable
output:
1.08
